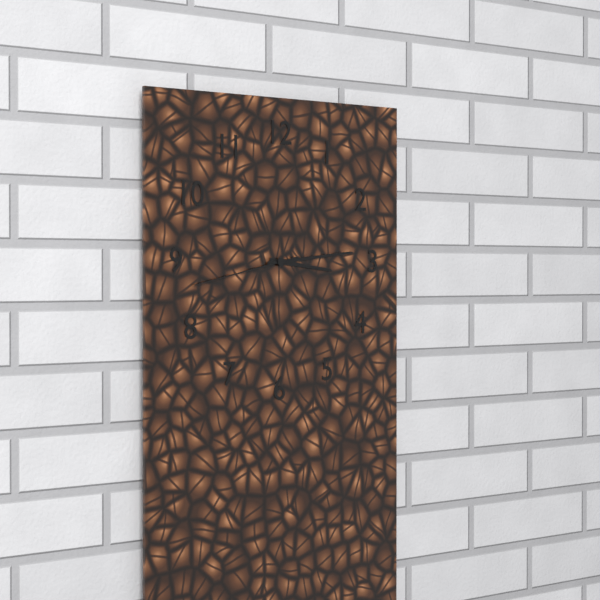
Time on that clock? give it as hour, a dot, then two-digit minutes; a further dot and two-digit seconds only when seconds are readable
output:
3.14.43
